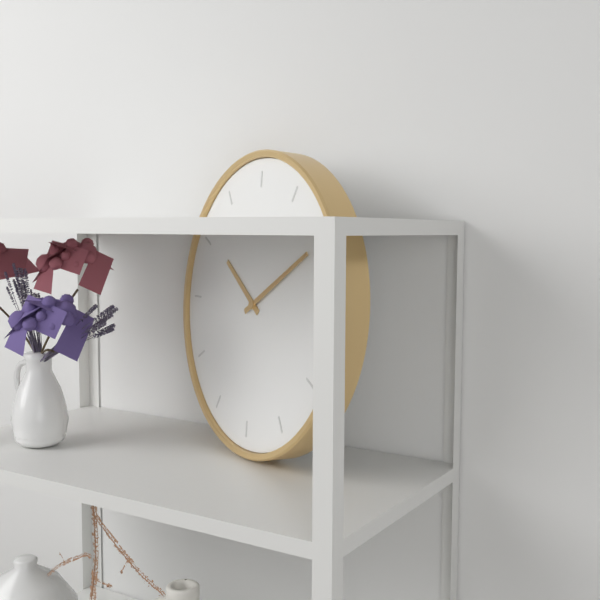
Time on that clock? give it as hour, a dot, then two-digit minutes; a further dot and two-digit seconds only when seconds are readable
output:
10.10
